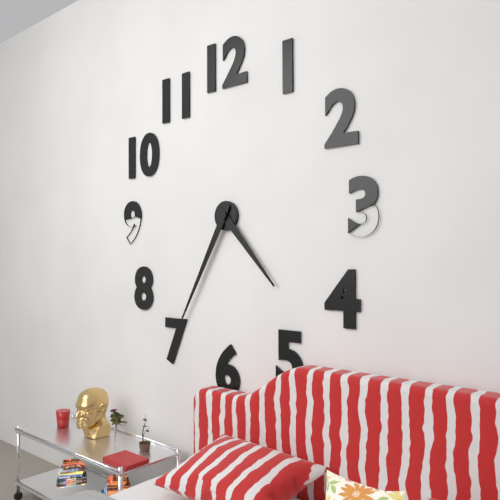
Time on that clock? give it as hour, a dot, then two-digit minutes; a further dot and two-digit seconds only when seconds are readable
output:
4.35
